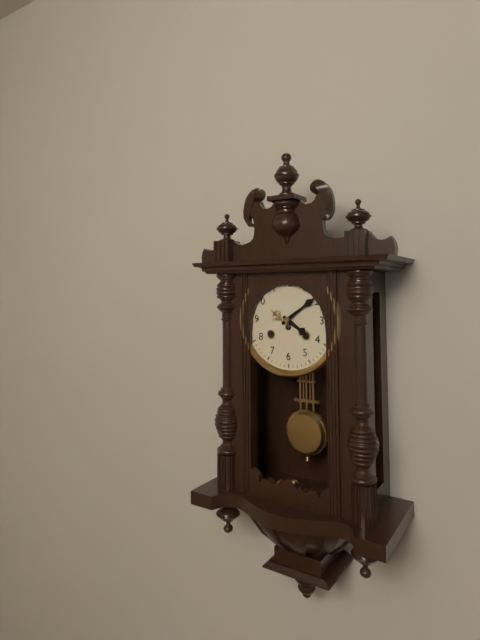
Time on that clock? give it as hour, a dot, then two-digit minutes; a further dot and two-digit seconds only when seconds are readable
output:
4.09
